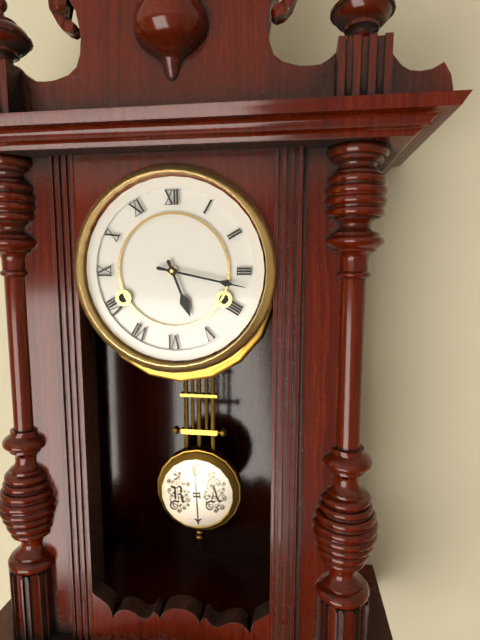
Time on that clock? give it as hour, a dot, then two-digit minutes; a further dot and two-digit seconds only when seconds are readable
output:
5.17
